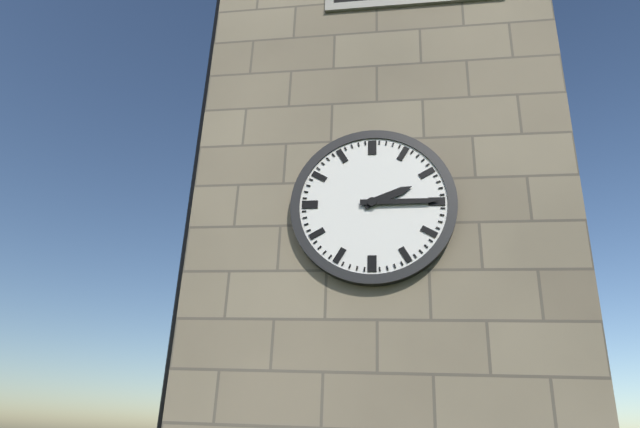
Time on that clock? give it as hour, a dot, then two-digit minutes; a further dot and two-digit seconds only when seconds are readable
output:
2.15
